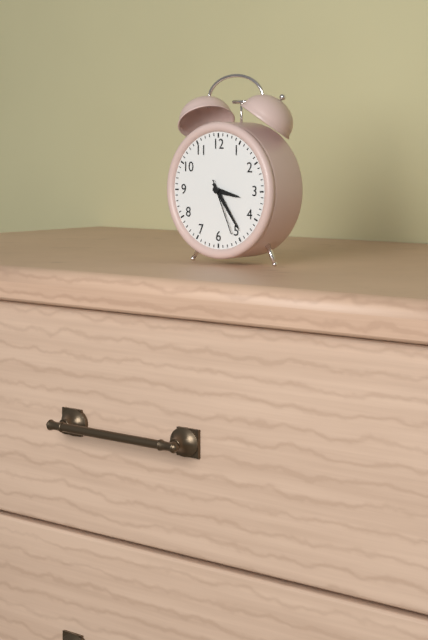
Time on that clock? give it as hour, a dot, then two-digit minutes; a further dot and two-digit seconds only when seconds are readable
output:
3.24.26
